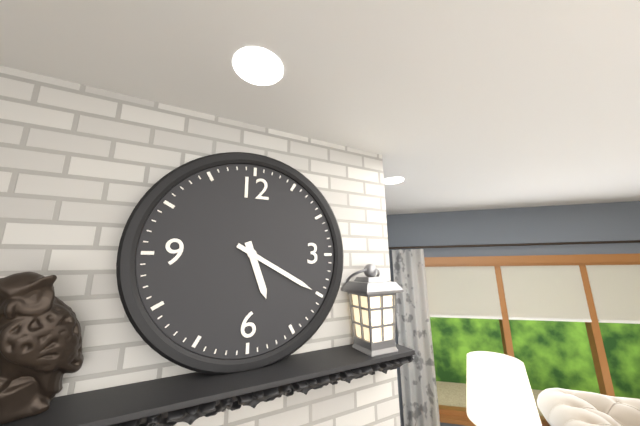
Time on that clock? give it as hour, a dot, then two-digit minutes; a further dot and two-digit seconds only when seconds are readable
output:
5.20
